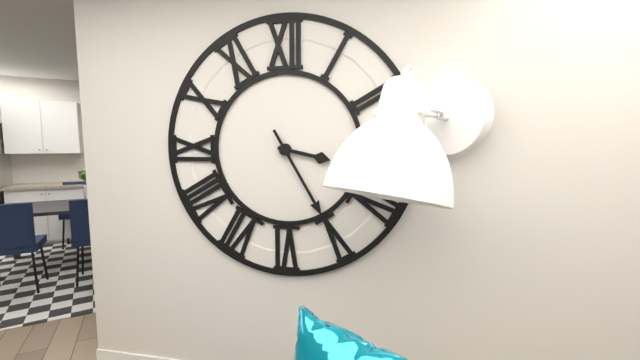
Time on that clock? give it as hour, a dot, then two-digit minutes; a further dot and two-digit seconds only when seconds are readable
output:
3.25
